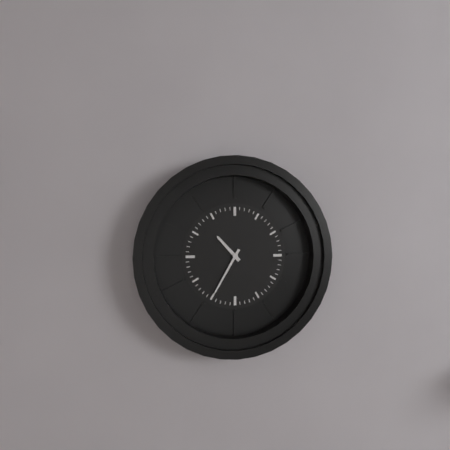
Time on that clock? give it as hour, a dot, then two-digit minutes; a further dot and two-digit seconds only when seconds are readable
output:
10.35
